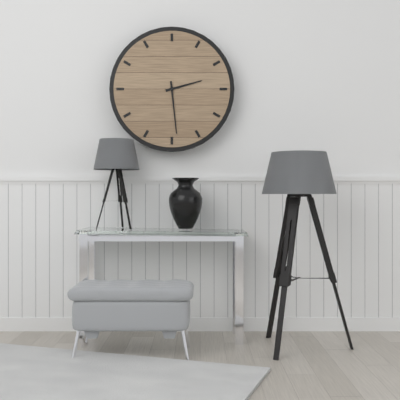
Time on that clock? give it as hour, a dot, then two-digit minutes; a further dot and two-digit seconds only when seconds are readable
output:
2.29
